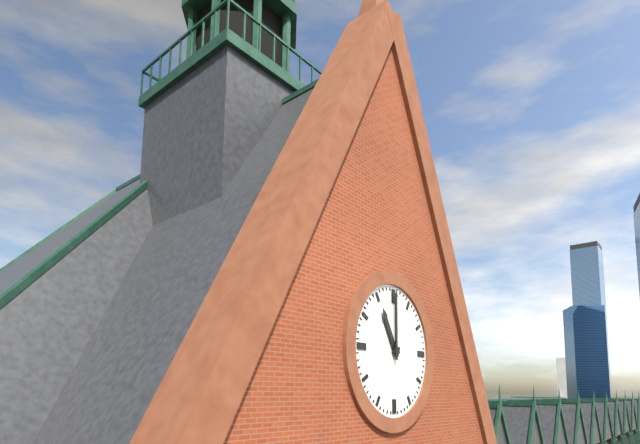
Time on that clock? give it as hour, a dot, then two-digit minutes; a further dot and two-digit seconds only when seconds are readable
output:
11.00
